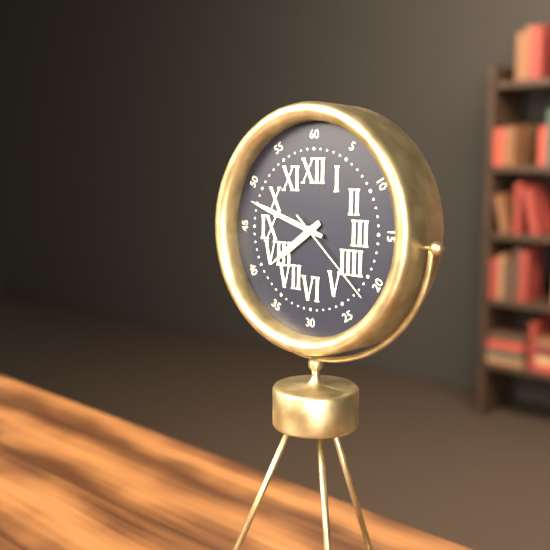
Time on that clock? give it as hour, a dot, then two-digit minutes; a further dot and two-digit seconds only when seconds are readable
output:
7.48.22
